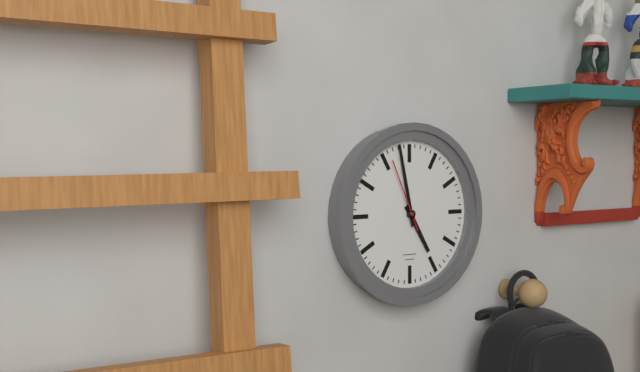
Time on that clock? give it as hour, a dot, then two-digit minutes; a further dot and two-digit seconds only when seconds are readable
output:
4.58.56
